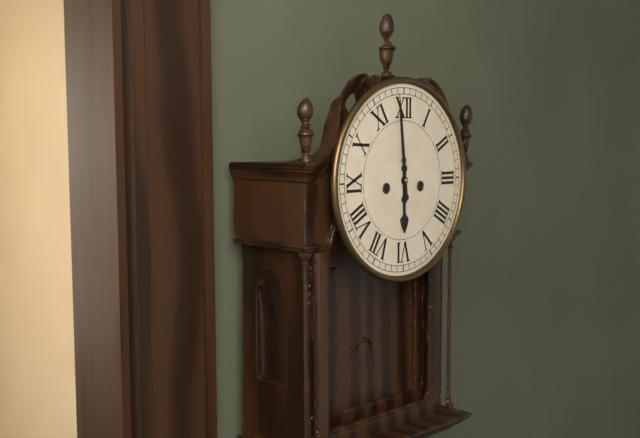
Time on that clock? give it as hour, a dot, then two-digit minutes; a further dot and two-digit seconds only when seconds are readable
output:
5.59
